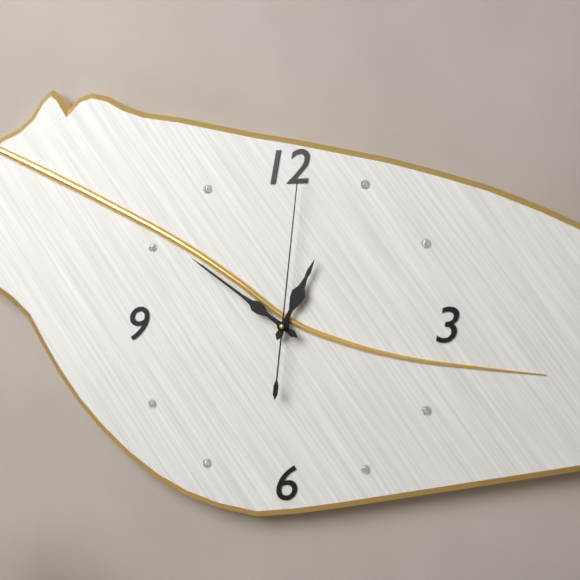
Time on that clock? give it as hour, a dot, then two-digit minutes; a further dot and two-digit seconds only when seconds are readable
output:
12.51.01
